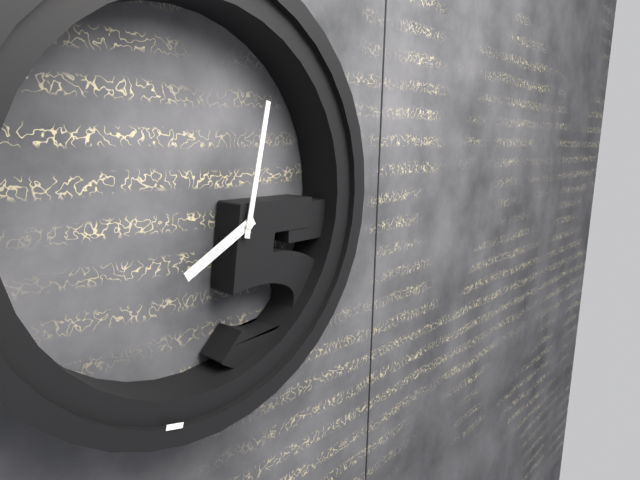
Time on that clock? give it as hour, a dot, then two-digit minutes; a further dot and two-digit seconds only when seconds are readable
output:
8.02
